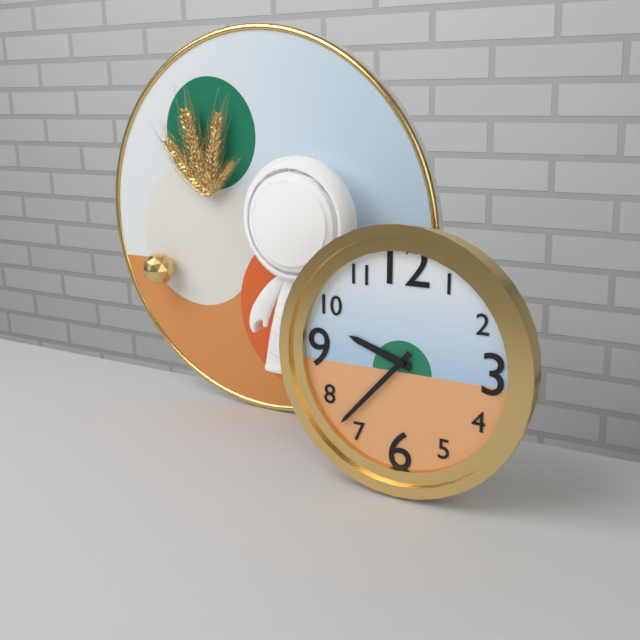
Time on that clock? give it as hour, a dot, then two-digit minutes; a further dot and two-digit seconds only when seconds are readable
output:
9.37
